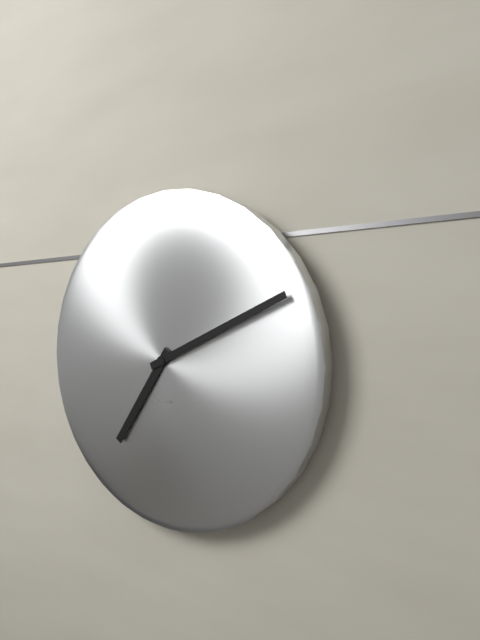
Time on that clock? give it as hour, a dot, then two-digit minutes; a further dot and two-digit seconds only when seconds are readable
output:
7.11
